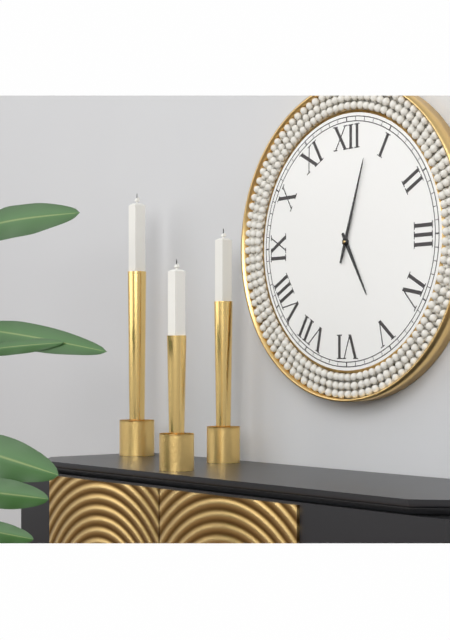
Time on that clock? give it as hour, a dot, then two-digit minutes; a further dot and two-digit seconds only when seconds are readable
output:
5.03
